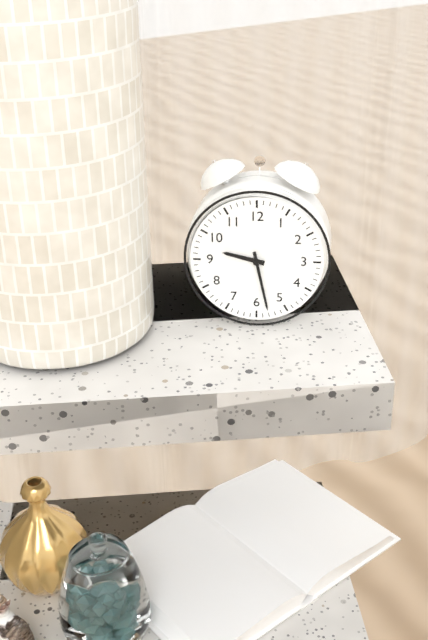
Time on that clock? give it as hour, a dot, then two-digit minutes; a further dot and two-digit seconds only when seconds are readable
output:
9.28
